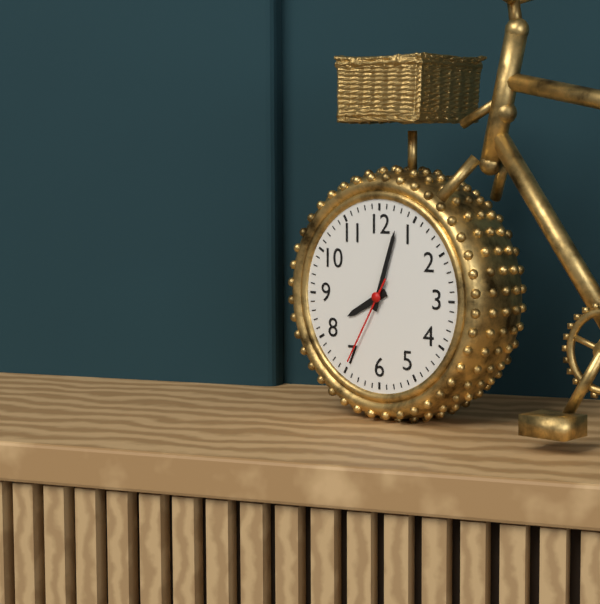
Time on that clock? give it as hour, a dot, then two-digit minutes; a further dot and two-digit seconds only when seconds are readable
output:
8.03.35
